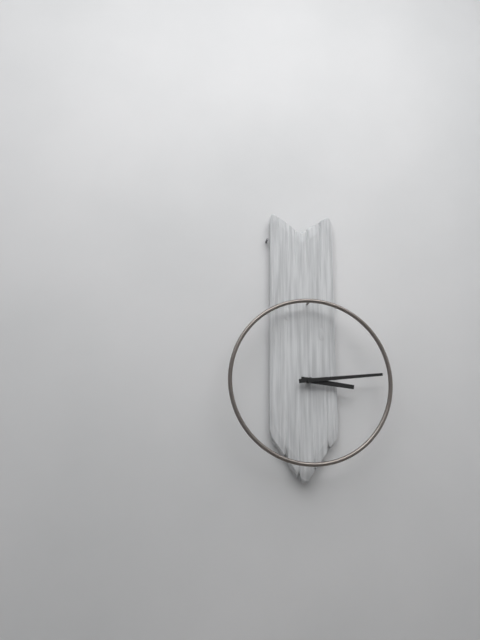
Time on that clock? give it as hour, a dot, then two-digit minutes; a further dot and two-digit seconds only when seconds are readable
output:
3.14
